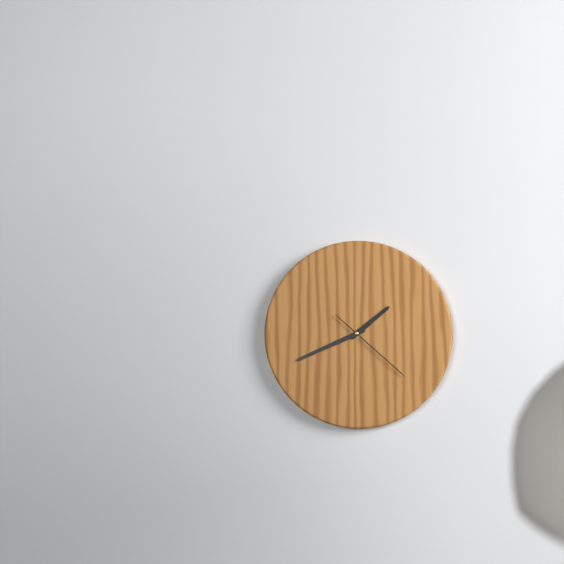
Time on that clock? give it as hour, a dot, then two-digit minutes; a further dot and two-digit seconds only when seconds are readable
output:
1.41.22
